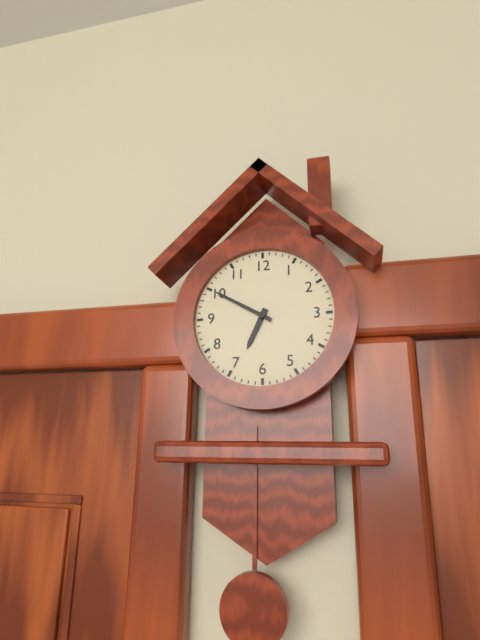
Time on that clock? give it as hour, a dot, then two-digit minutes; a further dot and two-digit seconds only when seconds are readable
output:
6.50
